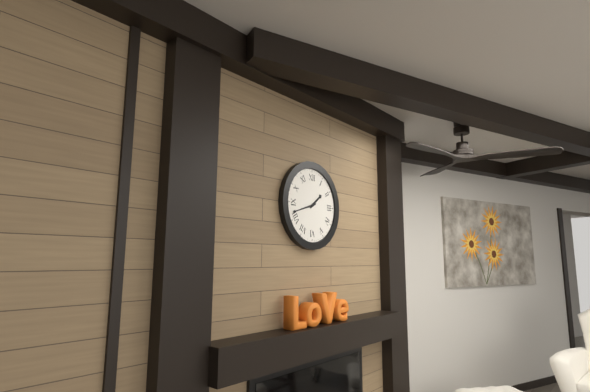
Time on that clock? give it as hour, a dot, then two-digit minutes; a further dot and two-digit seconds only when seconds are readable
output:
1.42
